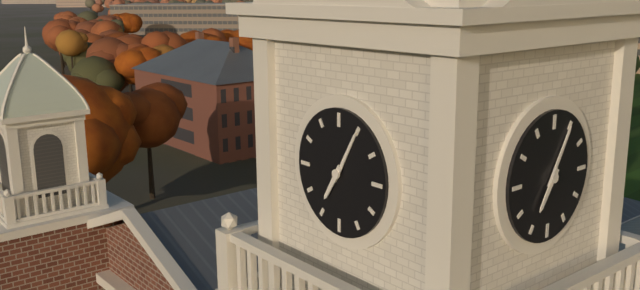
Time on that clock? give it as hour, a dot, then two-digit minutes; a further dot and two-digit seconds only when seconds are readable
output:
7.05
